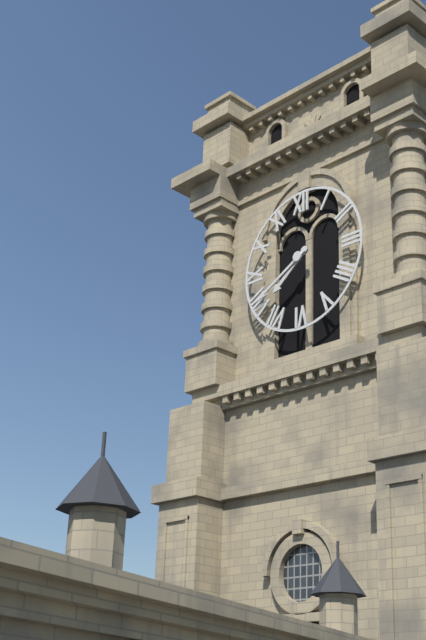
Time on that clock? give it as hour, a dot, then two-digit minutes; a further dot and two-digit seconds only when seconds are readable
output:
7.40
